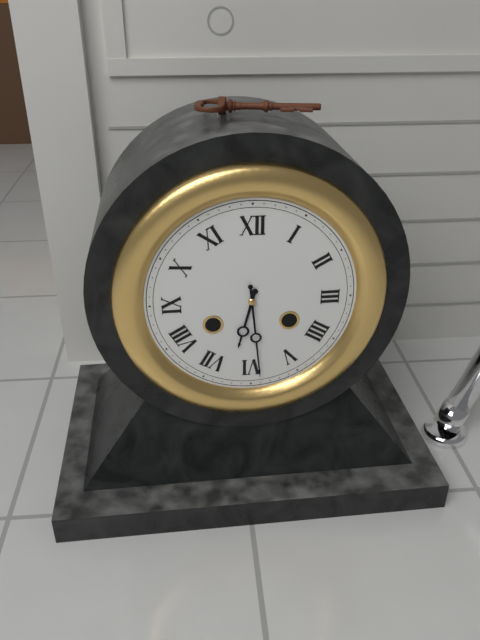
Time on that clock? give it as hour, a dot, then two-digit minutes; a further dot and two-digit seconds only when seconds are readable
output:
6.29
